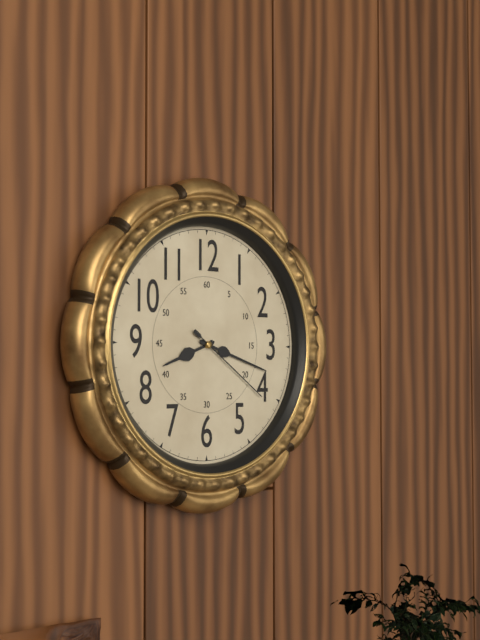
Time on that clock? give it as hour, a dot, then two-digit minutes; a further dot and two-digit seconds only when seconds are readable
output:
8.18.21
